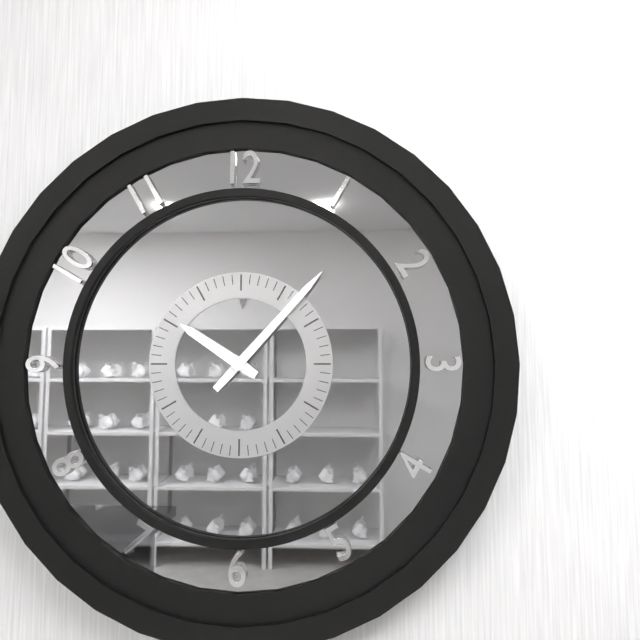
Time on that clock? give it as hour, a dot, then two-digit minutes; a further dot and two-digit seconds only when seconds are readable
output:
10.07
